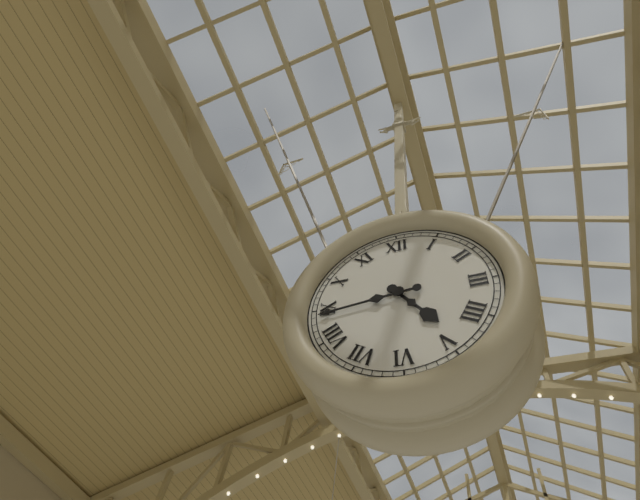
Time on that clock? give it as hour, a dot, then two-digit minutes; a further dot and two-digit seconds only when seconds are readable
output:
4.44
